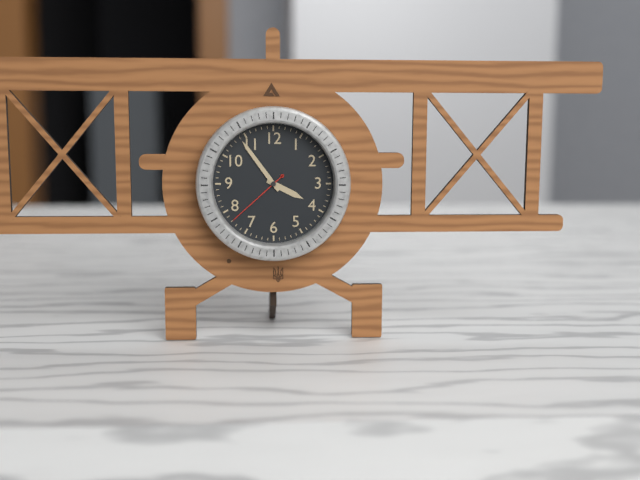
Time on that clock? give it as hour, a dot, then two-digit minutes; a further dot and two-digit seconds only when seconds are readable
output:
3.54.38
